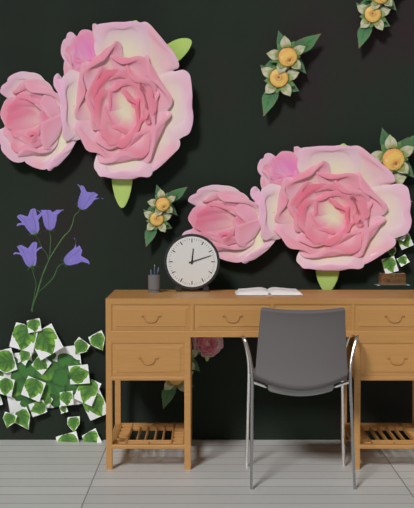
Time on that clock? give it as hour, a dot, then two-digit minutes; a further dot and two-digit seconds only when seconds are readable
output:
12.12
